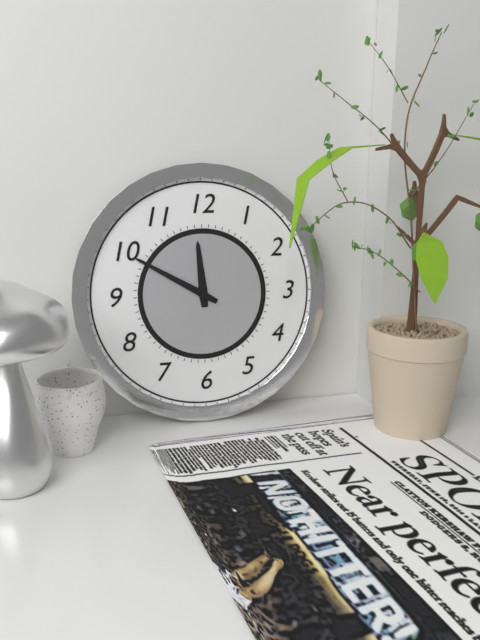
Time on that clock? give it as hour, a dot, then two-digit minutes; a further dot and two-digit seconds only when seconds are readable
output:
11.50
